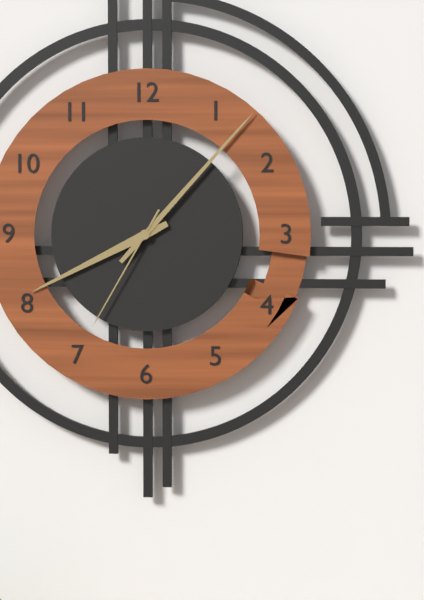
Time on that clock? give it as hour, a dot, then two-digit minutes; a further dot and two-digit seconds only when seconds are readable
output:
8.07.35
